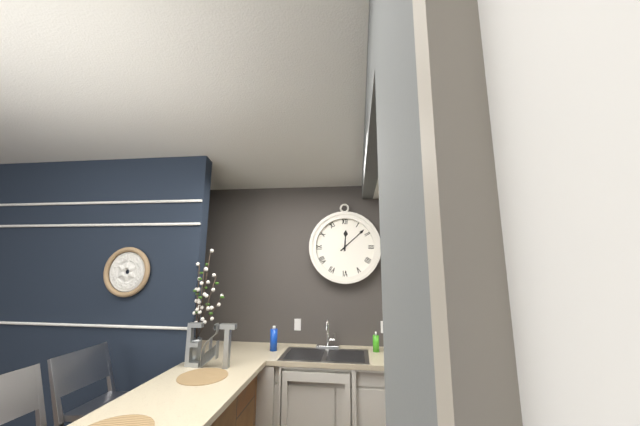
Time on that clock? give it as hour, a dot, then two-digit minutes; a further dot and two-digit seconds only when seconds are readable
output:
12.08
